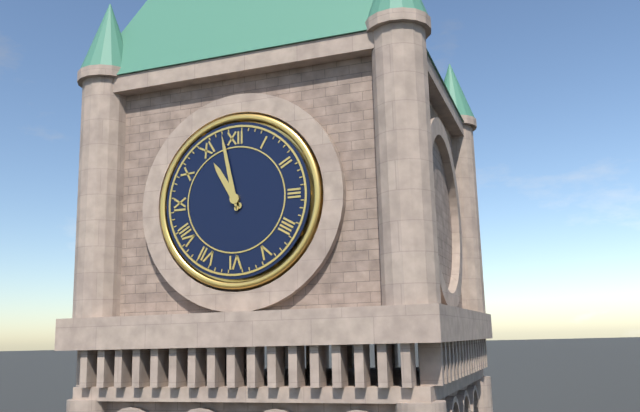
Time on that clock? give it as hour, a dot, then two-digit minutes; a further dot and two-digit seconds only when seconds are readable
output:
10.58
